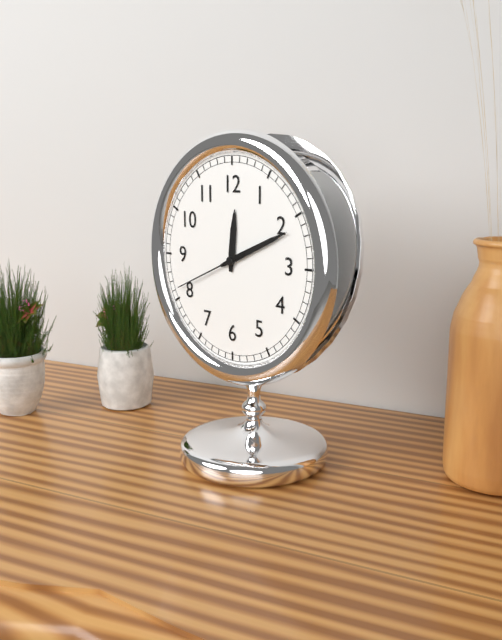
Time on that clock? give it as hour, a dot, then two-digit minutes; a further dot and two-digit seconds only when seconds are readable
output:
12.11.41
